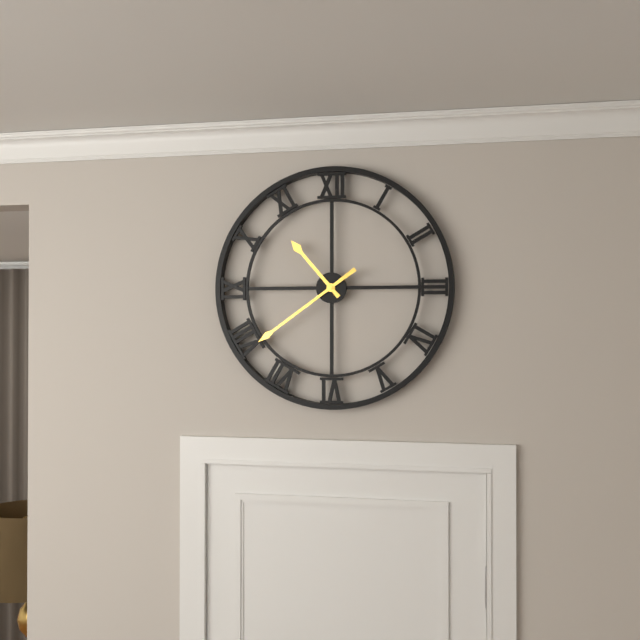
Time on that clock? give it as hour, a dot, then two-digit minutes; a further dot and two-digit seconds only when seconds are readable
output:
10.39
